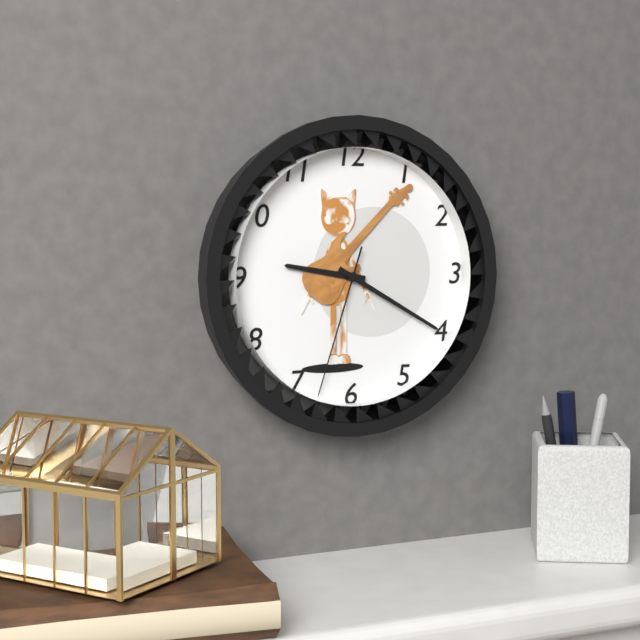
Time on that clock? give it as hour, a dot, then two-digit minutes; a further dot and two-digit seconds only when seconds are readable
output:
9.20.33
